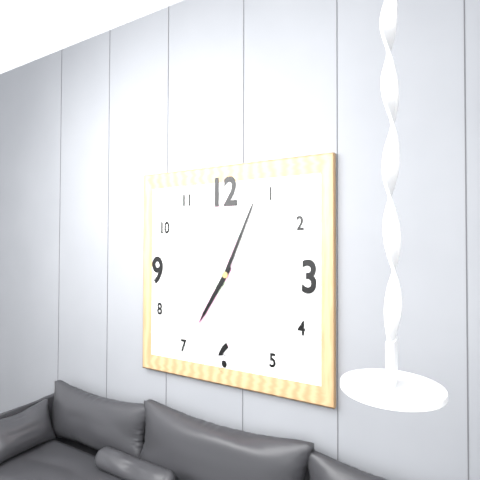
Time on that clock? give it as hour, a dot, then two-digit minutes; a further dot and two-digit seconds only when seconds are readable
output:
7.04
